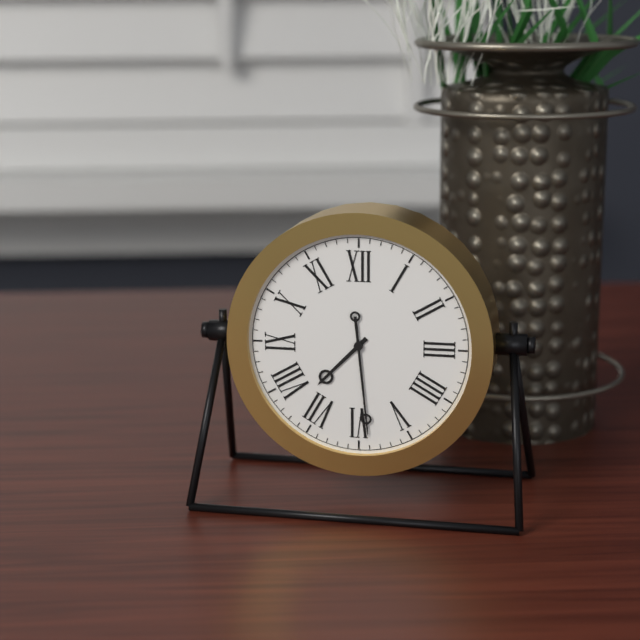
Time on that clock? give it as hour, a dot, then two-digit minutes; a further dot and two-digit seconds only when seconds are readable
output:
7.29
